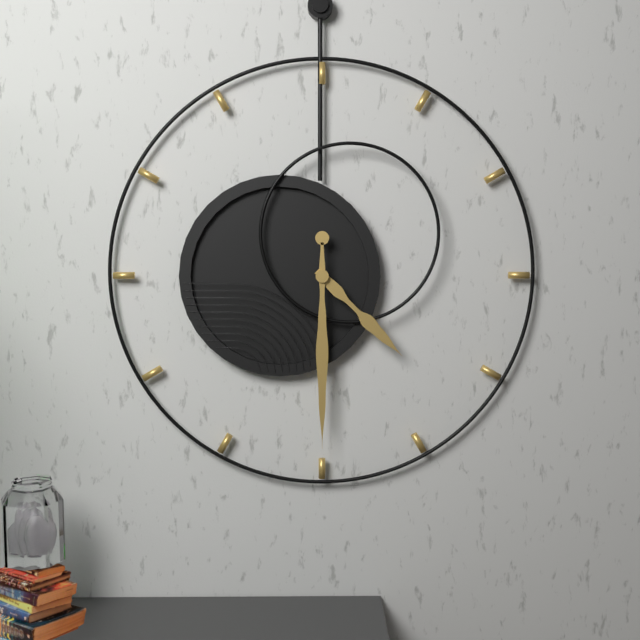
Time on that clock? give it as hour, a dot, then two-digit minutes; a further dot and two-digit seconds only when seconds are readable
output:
4.30
